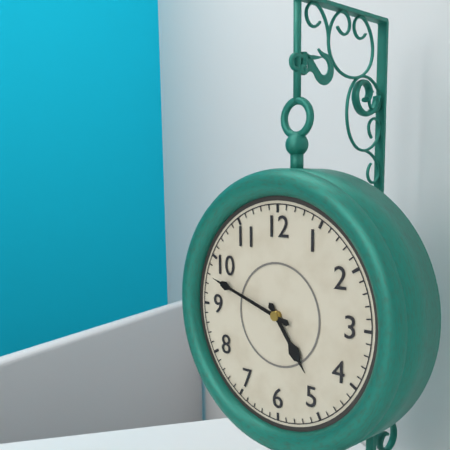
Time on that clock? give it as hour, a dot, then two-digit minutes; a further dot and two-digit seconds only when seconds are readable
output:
4.48
